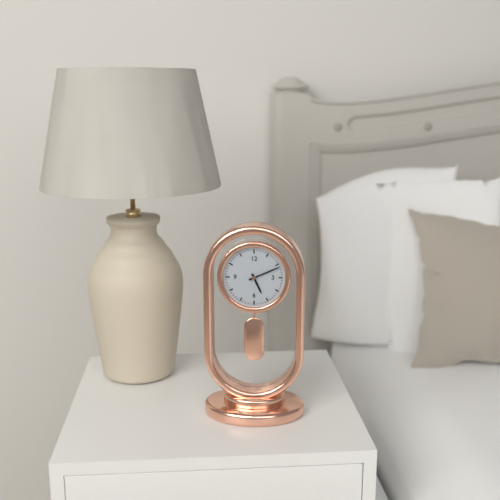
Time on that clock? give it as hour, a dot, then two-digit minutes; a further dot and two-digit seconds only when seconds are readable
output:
5.11
